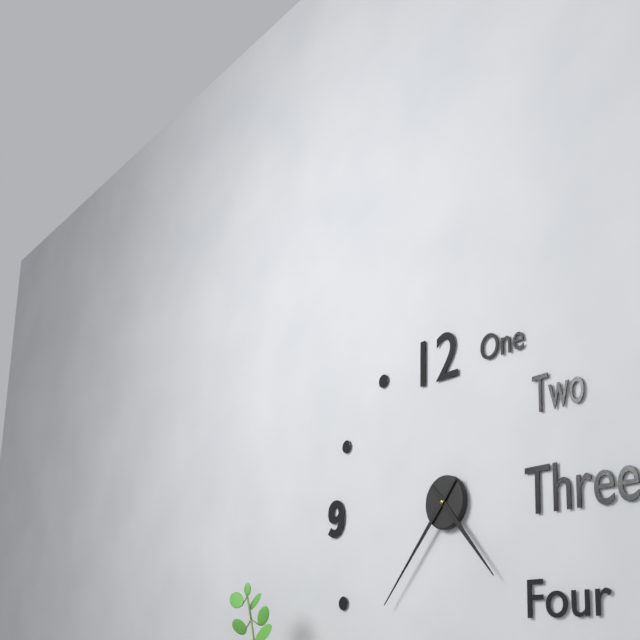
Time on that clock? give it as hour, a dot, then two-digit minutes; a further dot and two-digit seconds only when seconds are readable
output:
4.37
